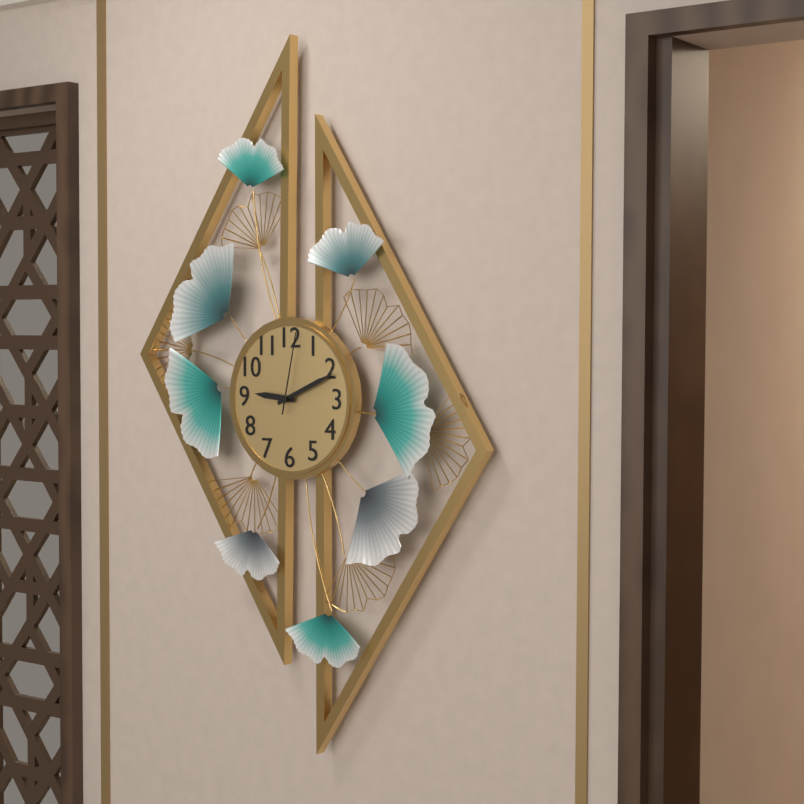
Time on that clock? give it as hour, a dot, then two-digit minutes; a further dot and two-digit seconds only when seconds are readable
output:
9.11.02
